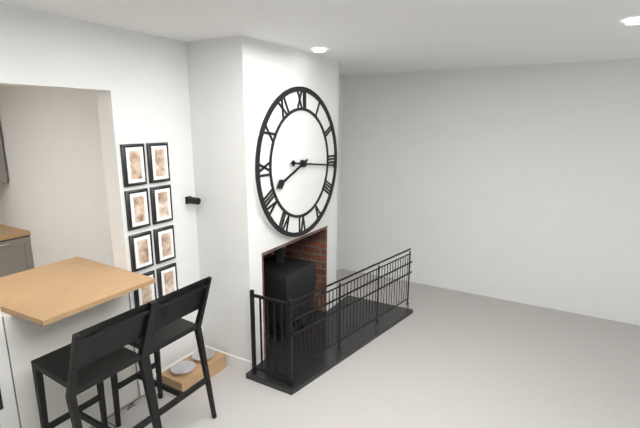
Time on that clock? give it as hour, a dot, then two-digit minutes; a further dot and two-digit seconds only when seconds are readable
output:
8.16
